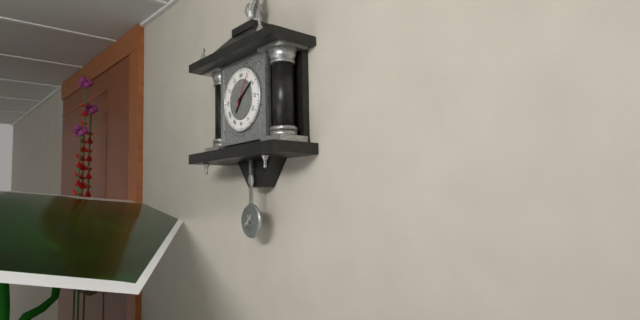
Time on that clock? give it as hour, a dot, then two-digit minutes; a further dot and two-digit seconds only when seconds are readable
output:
7.09
